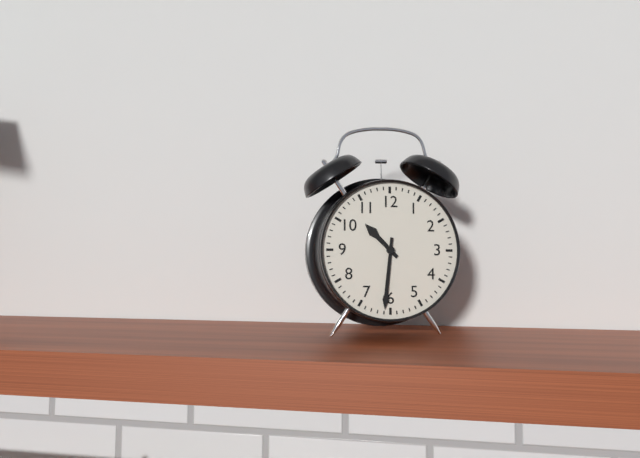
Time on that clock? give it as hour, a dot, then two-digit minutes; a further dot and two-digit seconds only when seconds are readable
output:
10.31
